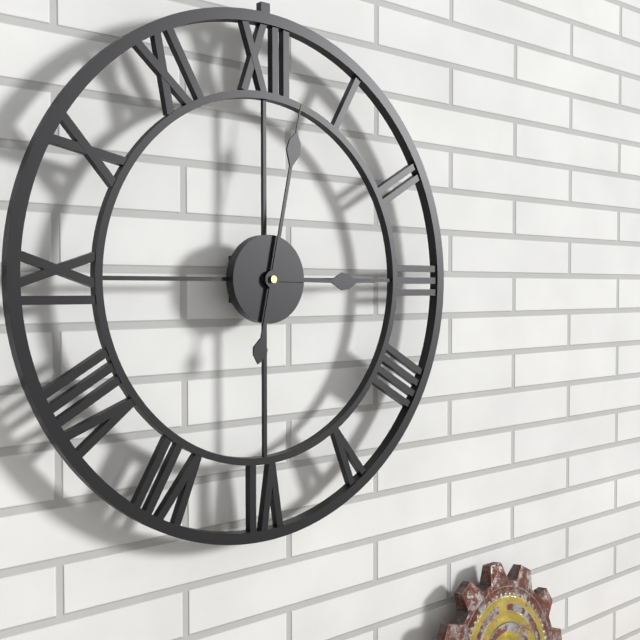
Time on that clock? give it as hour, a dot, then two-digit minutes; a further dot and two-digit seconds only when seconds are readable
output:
3.02
